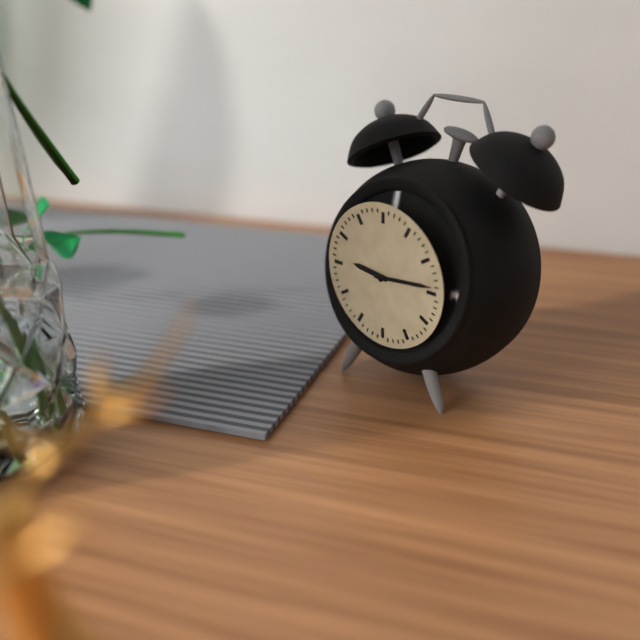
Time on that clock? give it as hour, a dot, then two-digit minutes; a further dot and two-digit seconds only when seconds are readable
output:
9.14
